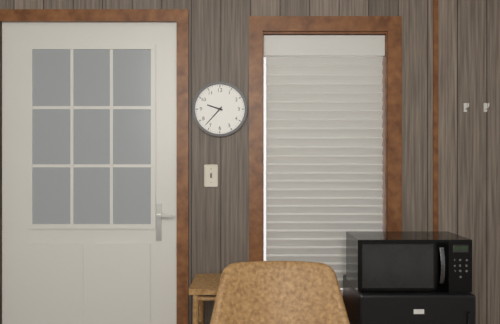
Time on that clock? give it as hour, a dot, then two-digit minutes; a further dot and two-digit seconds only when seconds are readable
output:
9.37
